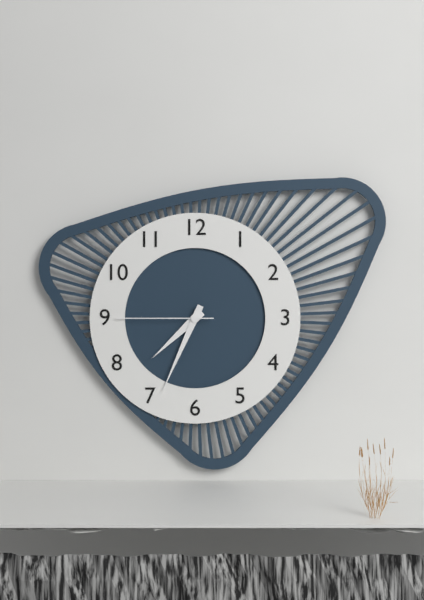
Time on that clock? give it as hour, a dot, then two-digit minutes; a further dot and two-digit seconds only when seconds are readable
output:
7.34.45
